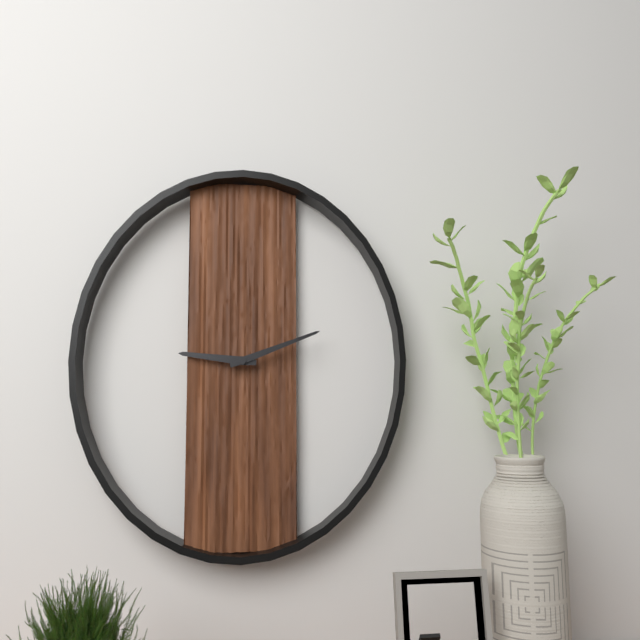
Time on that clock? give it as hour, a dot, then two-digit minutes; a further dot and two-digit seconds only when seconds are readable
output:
9.12
